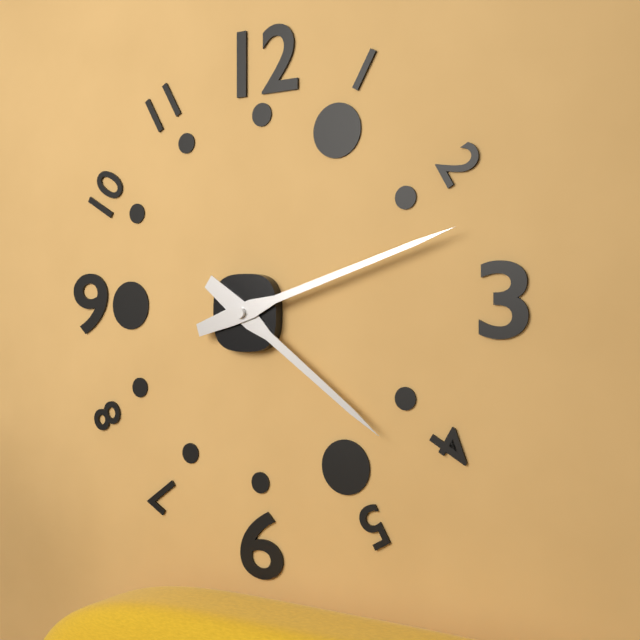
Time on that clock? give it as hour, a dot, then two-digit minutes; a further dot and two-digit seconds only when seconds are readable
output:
4.12
